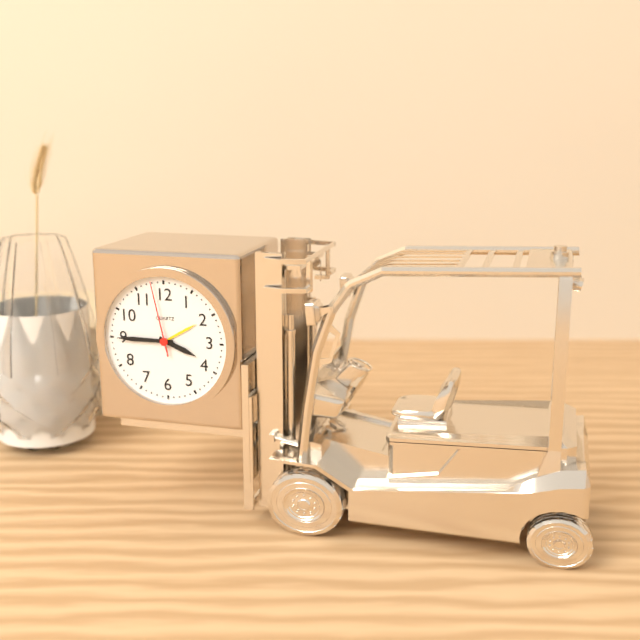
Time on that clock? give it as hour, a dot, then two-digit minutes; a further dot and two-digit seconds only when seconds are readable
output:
3.45.58
